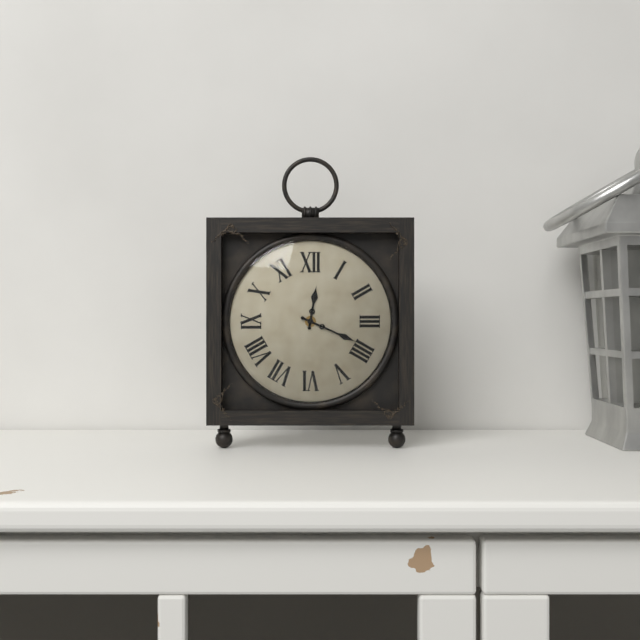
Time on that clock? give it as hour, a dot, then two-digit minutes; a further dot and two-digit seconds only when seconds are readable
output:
12.19
